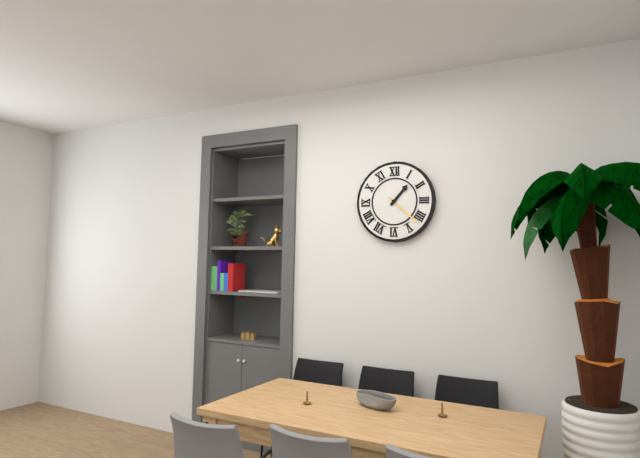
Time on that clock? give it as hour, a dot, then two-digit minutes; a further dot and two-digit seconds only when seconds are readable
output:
1.22
